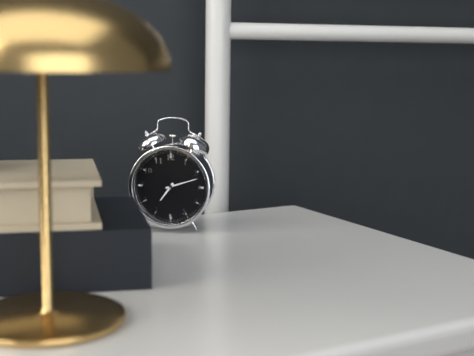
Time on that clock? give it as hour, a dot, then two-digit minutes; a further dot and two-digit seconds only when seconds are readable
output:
7.12
